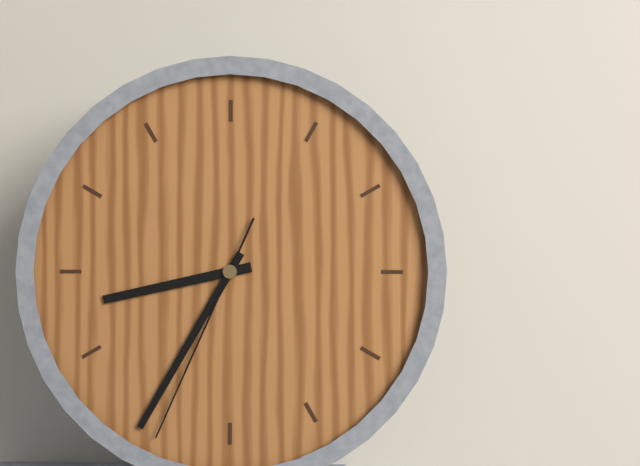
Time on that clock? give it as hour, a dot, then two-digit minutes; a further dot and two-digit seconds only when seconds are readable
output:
8.35.34
